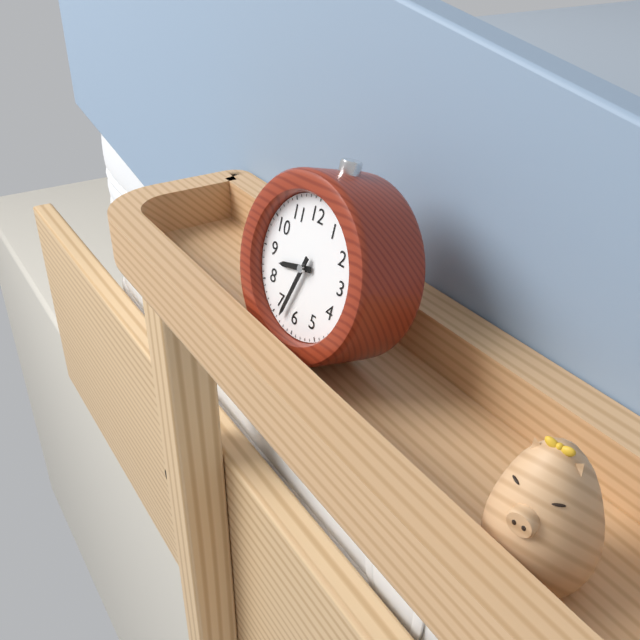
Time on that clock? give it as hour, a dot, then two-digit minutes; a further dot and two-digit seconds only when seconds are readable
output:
8.33
